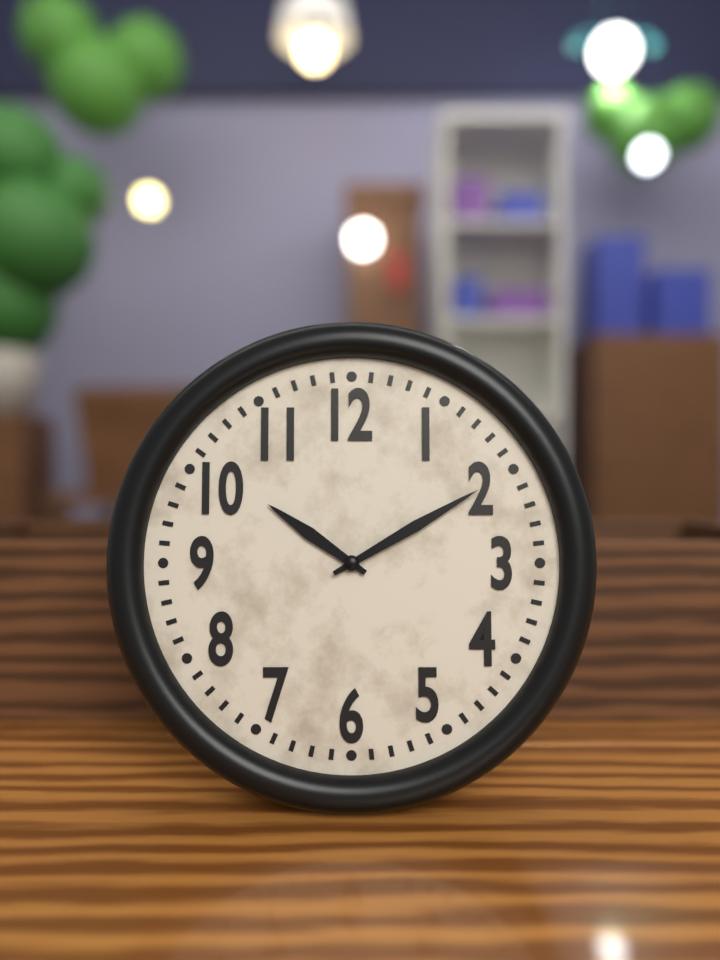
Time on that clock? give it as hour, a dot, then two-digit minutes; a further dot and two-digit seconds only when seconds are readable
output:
10.10
